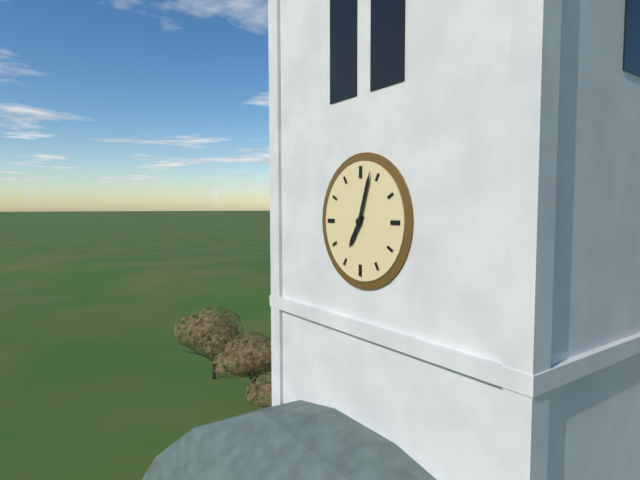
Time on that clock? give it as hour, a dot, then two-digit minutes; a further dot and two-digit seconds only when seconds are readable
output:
7.03
